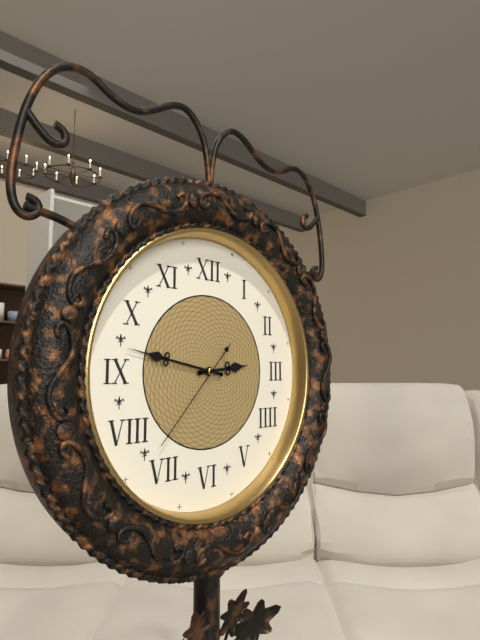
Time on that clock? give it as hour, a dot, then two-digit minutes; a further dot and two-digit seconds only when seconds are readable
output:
2.47.37
